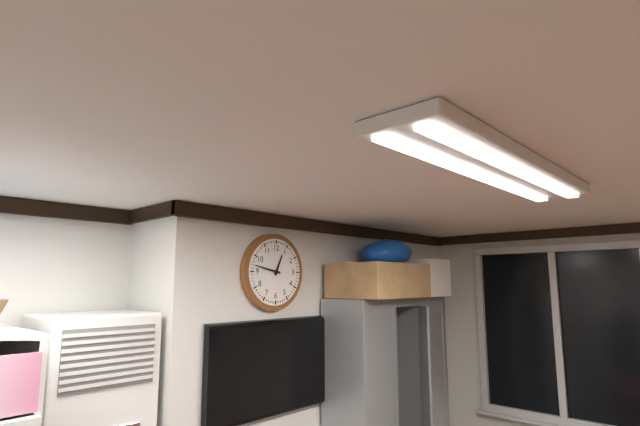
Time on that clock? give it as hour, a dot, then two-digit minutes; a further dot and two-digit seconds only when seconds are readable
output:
12.47
